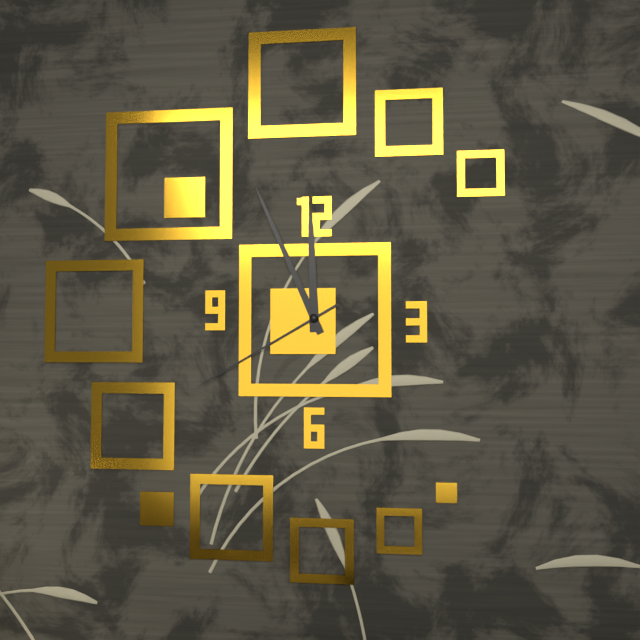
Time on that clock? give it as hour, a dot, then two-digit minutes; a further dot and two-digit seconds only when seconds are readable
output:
11.56.40
